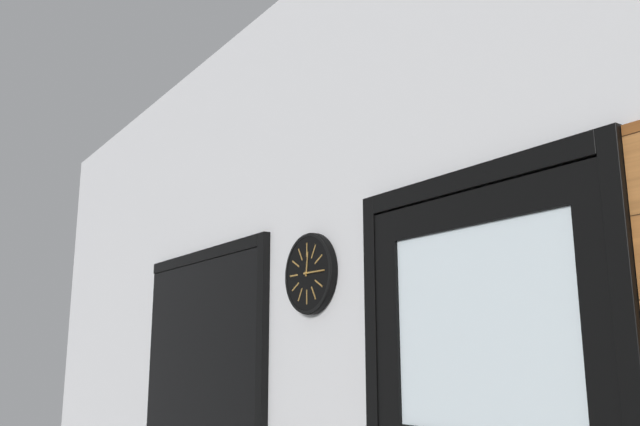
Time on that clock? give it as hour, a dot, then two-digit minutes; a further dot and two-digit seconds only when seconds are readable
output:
12.15
